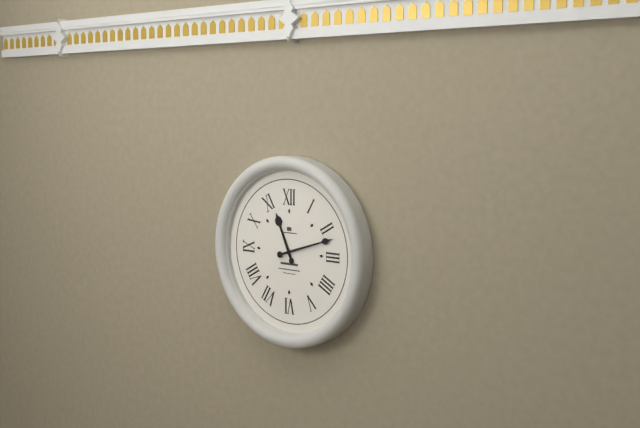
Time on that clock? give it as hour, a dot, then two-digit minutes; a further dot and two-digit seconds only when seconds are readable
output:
11.12
